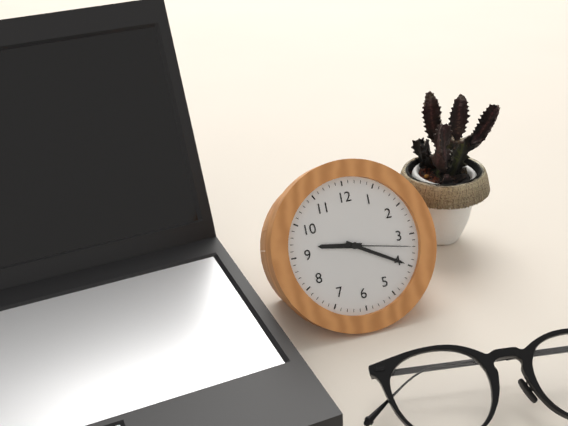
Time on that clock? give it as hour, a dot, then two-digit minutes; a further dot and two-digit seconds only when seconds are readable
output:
9.20.17
